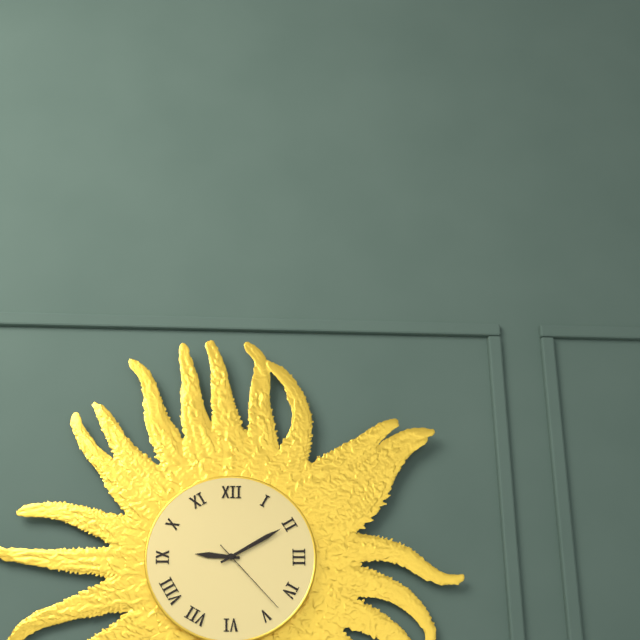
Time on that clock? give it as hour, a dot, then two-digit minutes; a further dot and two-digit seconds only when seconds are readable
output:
9.10.23
